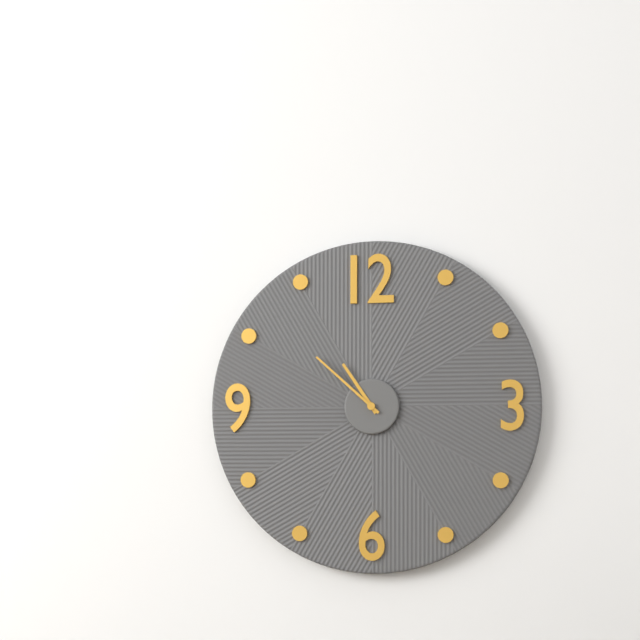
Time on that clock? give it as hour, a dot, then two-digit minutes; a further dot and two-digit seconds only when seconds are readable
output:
10.52
